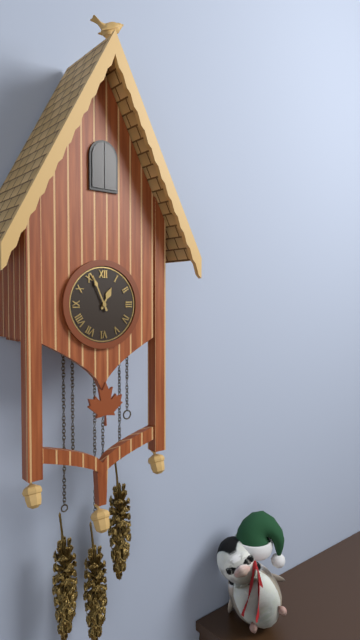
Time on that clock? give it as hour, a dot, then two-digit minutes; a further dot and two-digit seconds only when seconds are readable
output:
12.56
